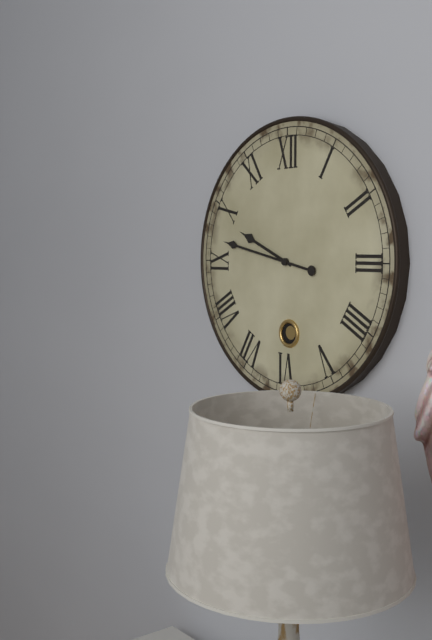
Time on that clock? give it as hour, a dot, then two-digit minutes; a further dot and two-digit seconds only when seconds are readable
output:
9.47
